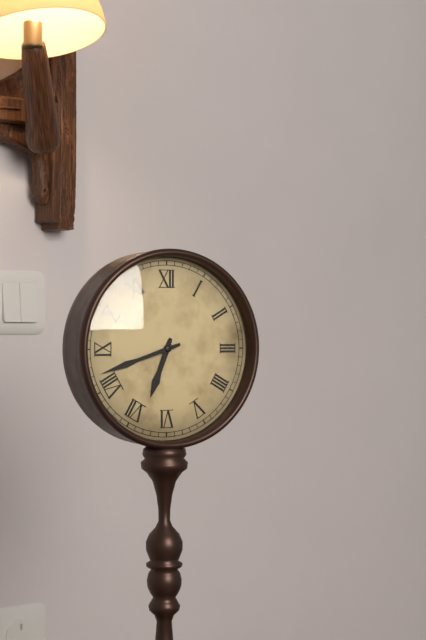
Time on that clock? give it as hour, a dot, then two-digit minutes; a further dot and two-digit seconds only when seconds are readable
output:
6.42
